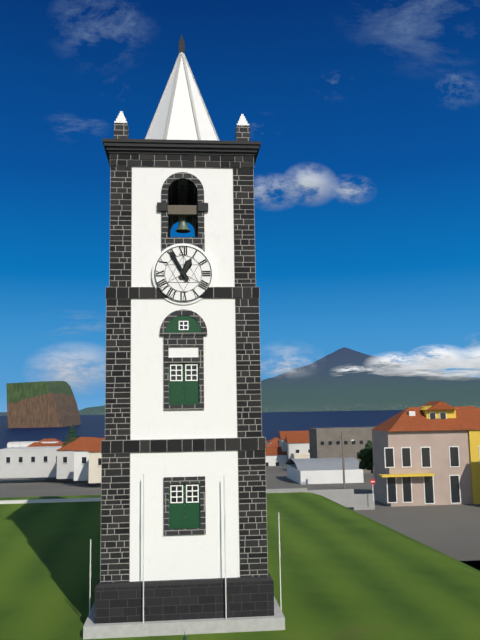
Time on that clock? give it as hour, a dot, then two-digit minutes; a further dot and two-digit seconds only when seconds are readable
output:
12.55
